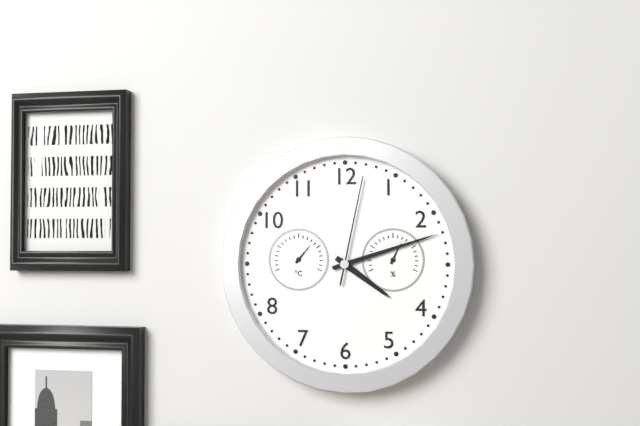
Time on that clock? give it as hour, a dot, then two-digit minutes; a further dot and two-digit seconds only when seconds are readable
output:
4.12.02
